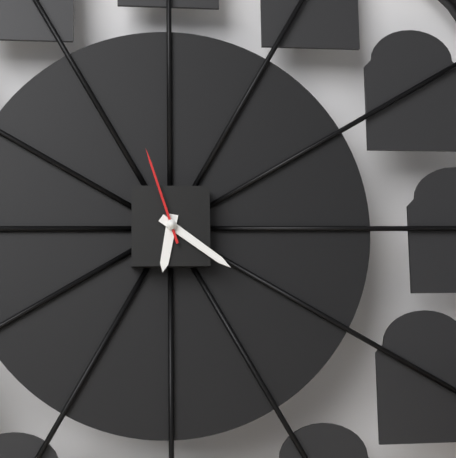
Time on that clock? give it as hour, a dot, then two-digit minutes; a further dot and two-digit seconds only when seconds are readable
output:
6.21.57
